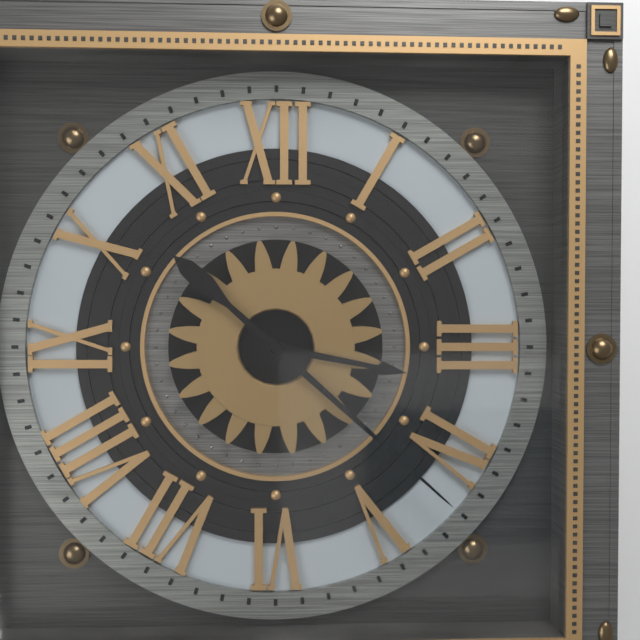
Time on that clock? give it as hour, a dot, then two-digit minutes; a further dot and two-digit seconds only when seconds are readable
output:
3.22
